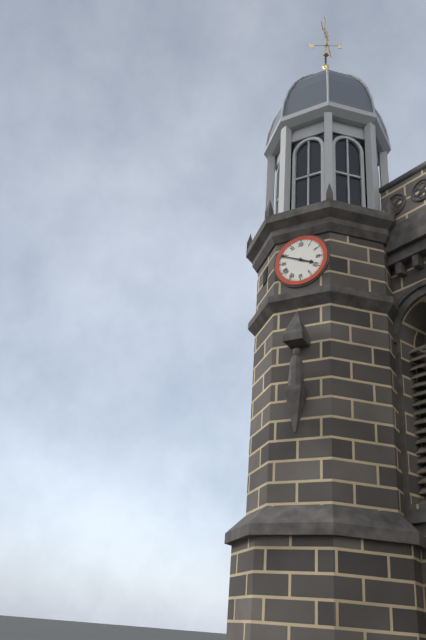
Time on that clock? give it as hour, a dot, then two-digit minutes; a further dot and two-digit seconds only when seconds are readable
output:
3.49
